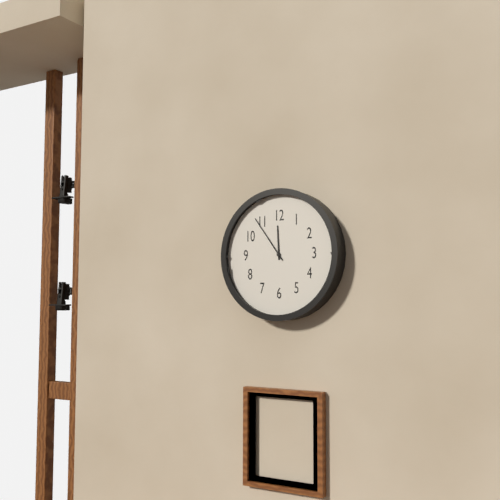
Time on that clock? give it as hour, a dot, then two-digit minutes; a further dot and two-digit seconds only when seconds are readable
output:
11.54
